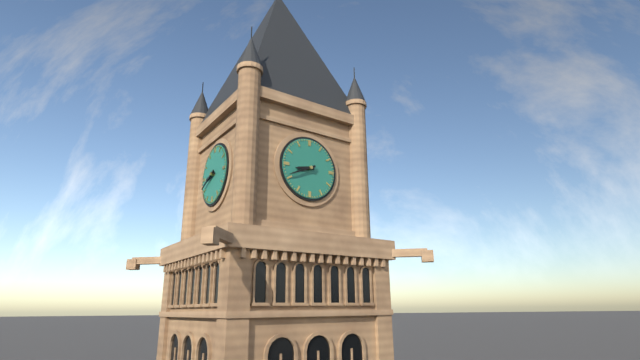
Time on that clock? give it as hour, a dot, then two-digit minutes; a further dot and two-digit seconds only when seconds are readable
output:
8.41
